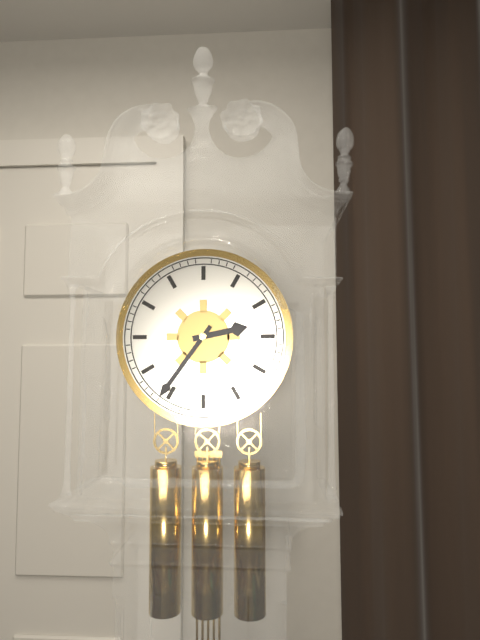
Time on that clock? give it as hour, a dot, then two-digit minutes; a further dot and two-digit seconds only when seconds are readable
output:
2.36
